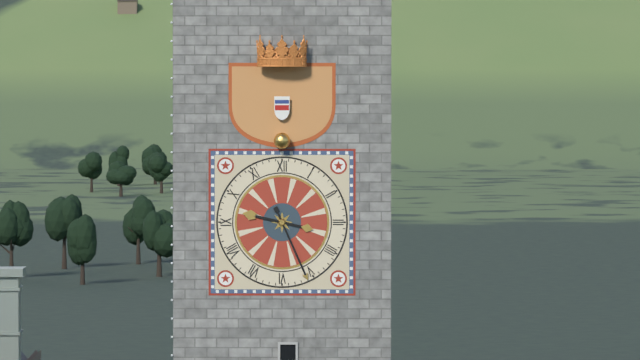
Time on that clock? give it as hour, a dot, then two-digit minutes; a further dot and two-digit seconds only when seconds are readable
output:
9.26
